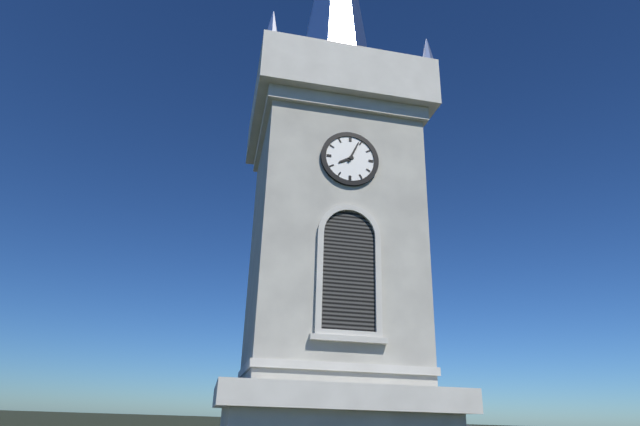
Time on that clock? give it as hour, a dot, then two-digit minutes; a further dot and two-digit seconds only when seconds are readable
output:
8.04
